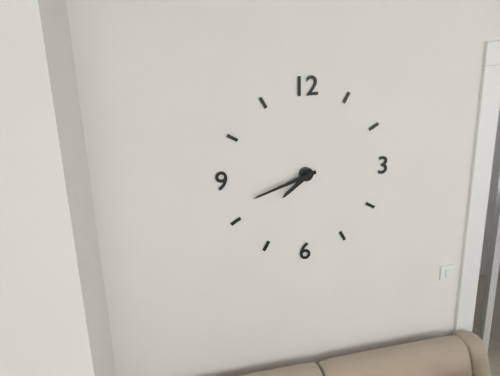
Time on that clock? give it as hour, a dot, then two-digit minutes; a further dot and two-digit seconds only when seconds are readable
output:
7.42
